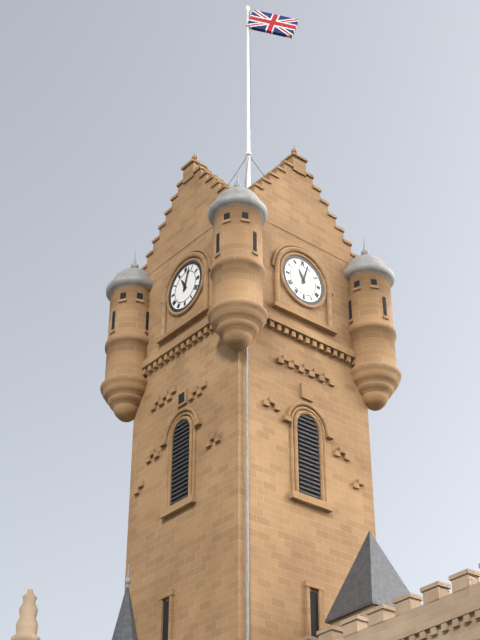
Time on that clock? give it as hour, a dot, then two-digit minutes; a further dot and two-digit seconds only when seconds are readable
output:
11.03
